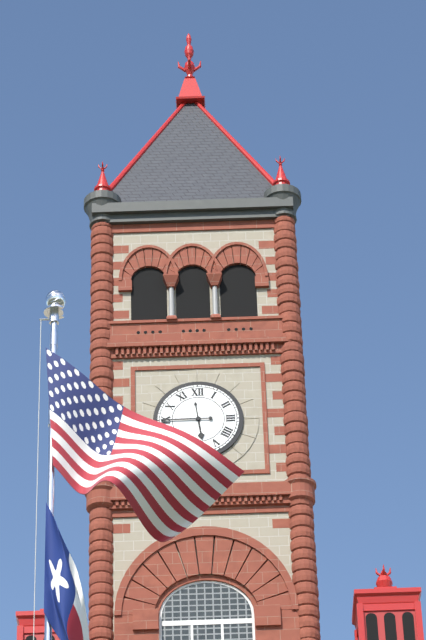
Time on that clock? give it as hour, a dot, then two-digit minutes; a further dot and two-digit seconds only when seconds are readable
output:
5.45
